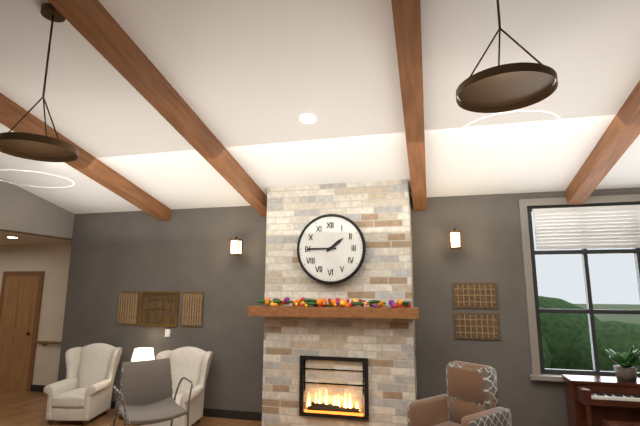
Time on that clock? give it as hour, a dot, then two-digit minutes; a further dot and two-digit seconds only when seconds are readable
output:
1.45
